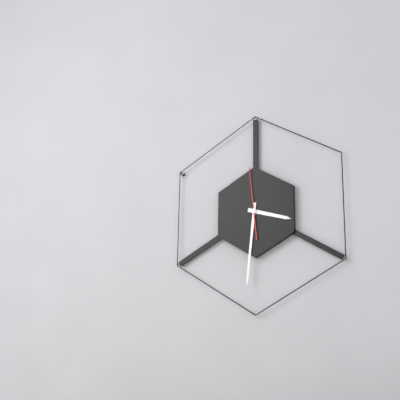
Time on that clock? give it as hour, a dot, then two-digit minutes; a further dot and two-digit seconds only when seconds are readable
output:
3.31.59
